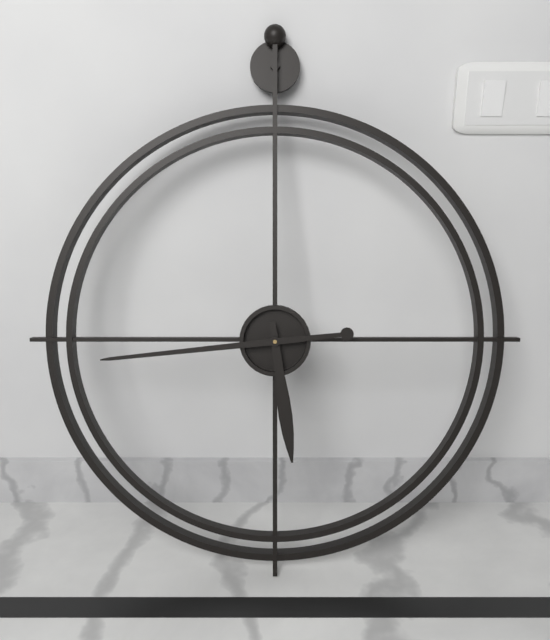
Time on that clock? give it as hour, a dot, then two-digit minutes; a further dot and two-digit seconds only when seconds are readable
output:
5.44
